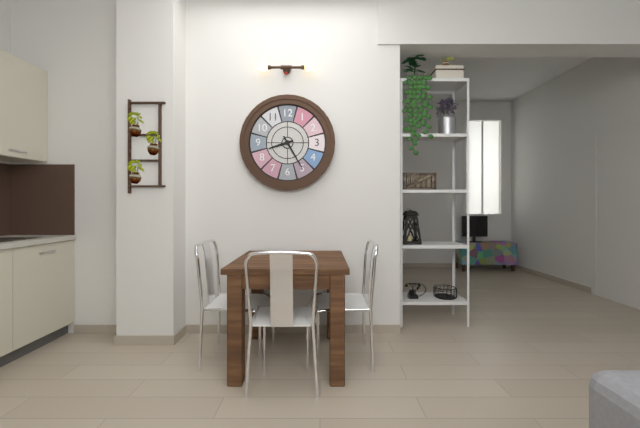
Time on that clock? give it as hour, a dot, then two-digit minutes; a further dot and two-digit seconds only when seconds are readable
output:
8.25
